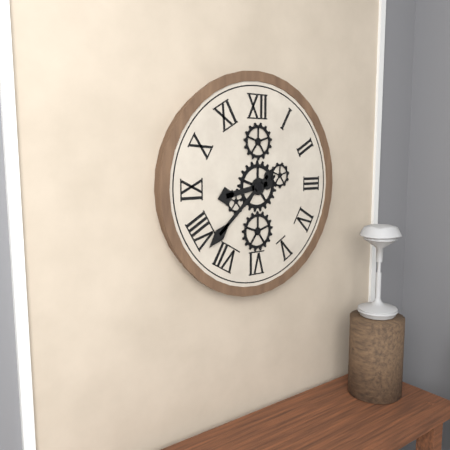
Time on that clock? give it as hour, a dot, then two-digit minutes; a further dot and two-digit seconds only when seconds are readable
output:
8.38
